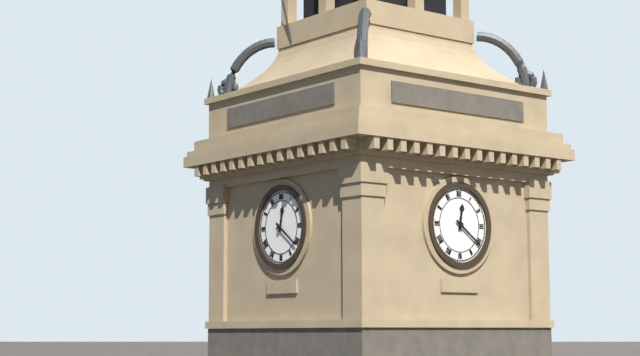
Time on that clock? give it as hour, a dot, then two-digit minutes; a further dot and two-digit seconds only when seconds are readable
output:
12.21
